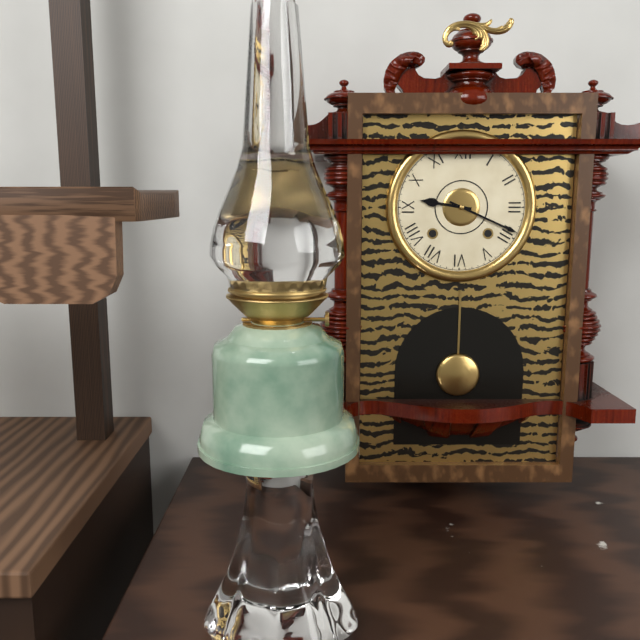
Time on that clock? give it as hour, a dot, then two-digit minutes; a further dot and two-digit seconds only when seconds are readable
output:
9.19
